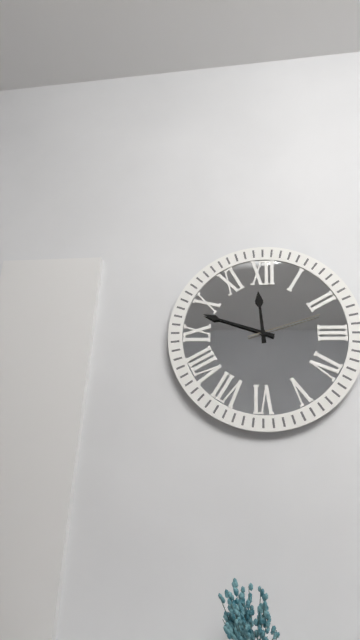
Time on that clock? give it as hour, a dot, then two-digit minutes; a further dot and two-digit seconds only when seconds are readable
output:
11.48.12
